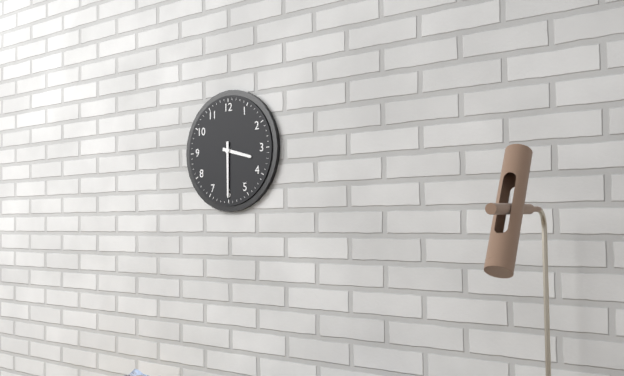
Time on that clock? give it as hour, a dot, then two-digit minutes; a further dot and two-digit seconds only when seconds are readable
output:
3.30
